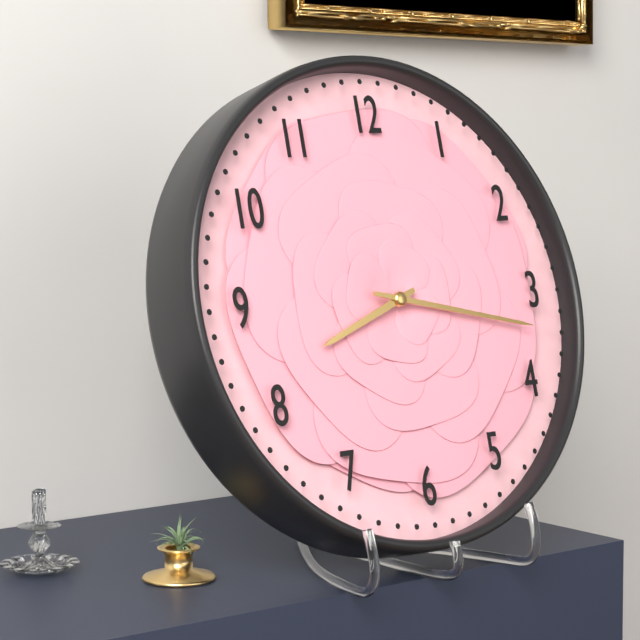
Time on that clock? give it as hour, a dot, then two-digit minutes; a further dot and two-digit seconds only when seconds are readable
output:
8.17
